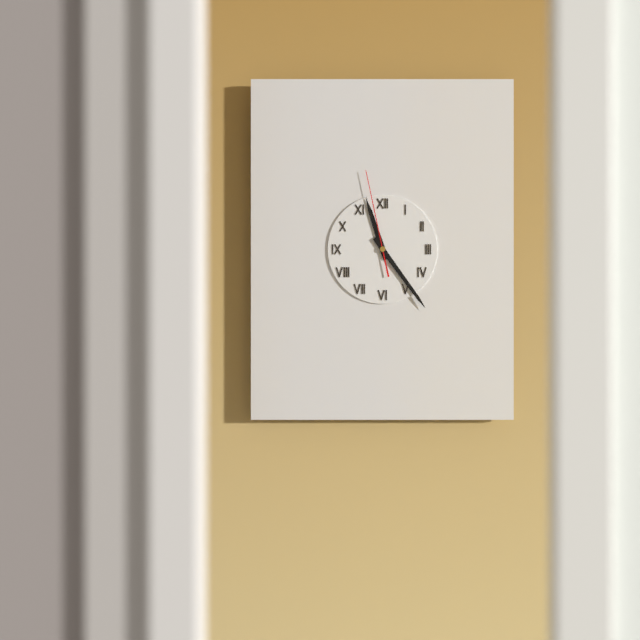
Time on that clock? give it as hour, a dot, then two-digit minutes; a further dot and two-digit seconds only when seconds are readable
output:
11.24.58
